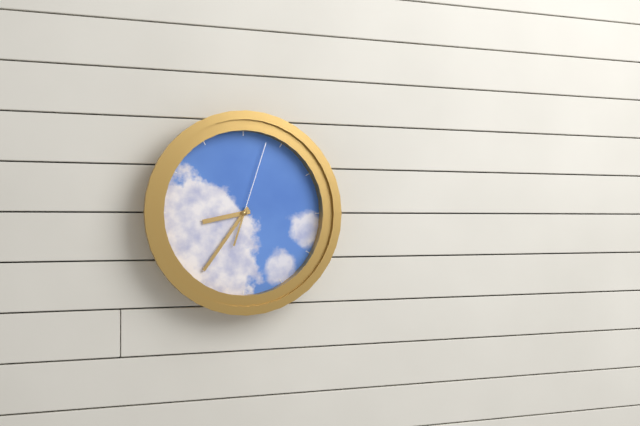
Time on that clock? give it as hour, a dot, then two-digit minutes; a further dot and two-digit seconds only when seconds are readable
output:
8.36.03
